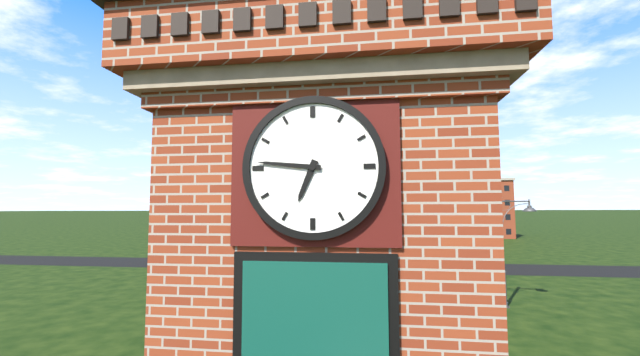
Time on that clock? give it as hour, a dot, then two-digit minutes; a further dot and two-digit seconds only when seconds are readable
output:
6.46
